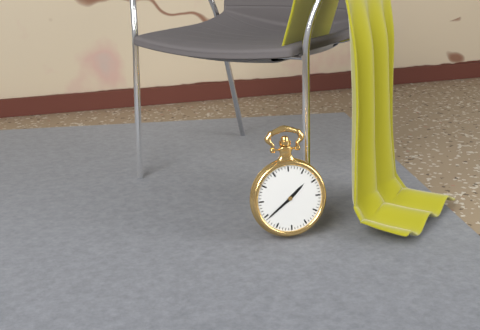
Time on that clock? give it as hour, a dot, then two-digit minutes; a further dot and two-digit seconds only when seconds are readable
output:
1.39
